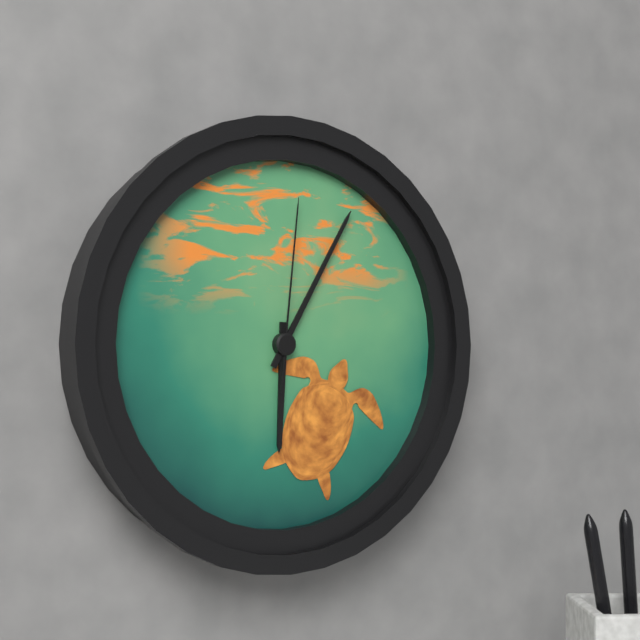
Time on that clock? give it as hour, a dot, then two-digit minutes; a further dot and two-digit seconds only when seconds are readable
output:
6.05.01
